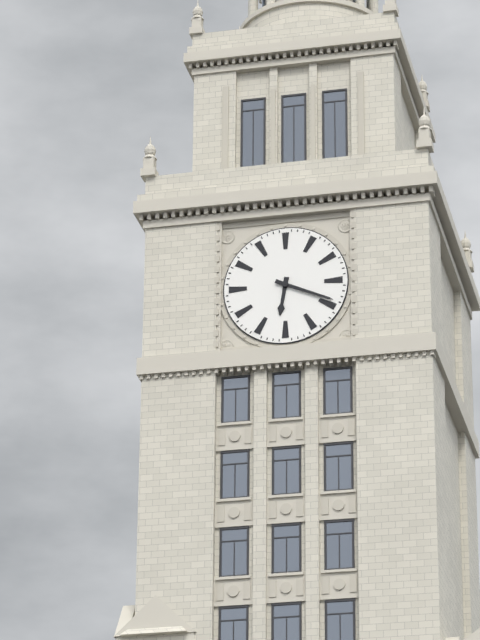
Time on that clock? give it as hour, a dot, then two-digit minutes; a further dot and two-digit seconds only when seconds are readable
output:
6.19
